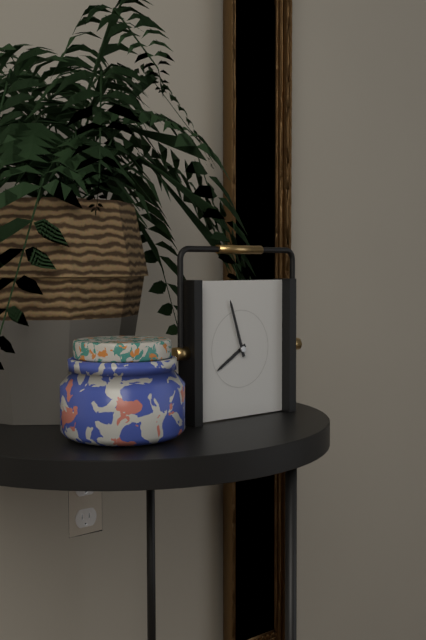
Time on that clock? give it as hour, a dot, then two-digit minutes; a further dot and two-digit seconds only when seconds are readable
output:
7.57
